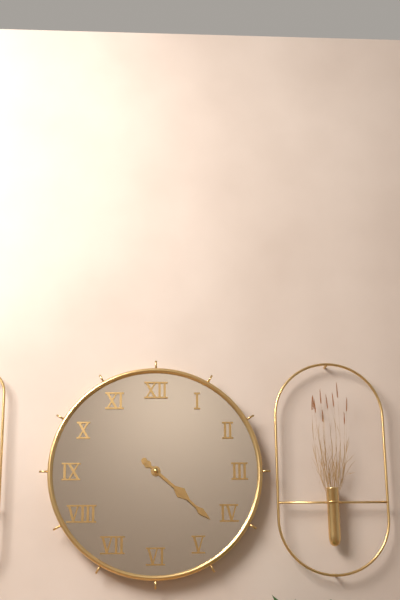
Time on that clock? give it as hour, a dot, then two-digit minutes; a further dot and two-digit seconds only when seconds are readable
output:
4.22
